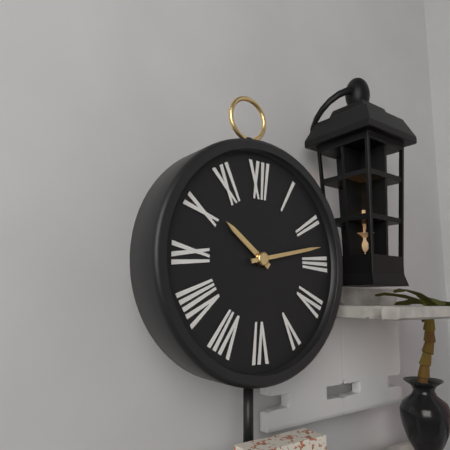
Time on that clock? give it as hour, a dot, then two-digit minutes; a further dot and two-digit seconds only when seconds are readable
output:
10.13
